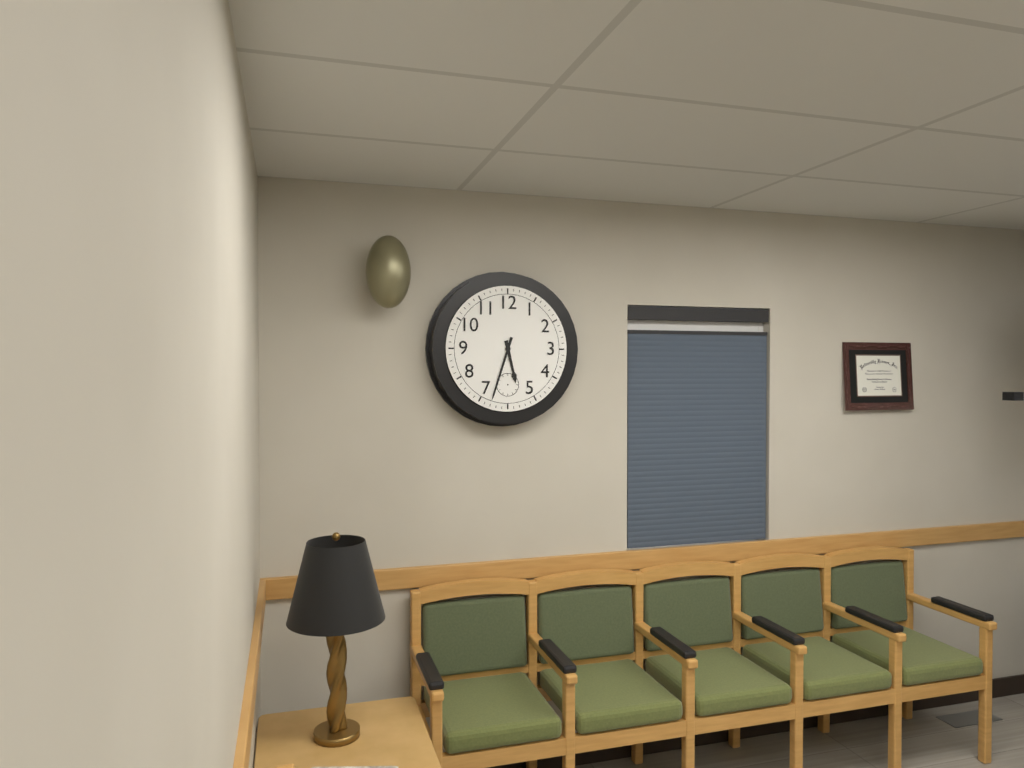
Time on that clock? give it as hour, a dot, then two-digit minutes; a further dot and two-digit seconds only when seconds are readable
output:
5.33
